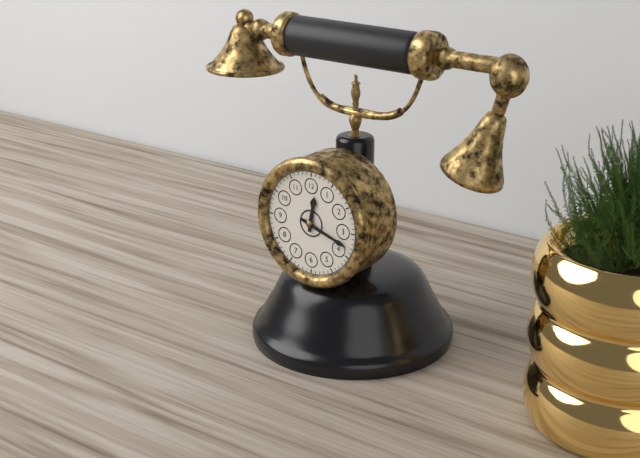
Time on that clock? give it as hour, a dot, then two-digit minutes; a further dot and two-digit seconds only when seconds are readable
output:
12.18
